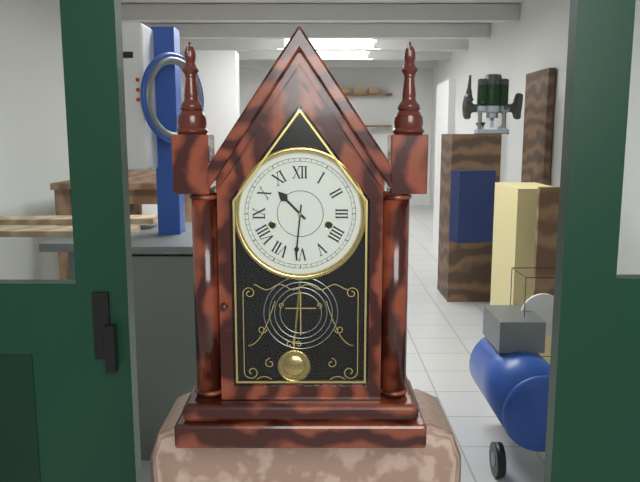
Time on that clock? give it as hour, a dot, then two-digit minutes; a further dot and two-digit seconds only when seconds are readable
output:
10.31
